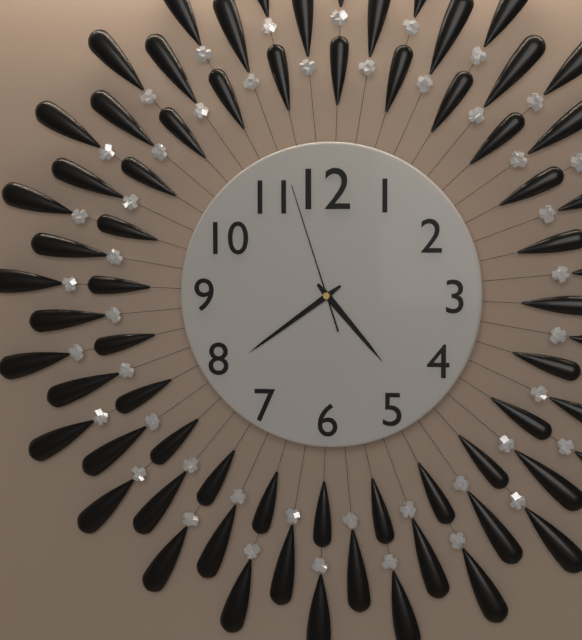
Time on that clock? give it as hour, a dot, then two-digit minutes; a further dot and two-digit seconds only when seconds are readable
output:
4.39.57
